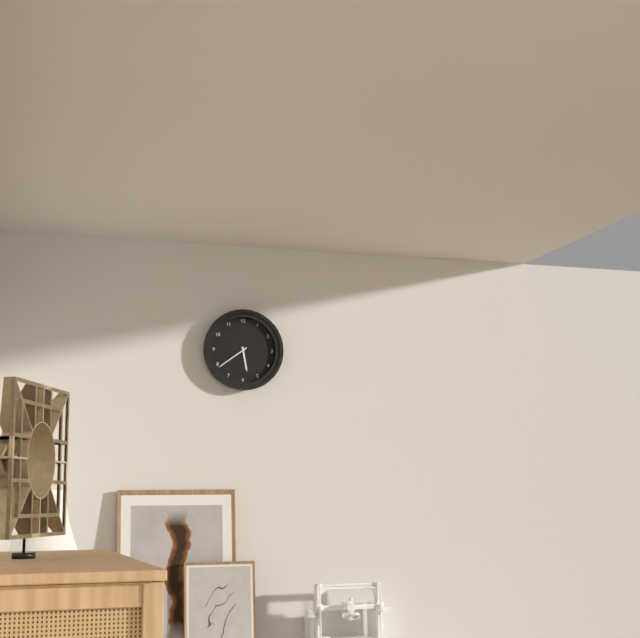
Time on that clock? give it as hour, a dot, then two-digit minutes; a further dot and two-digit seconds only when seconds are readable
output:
5.39
